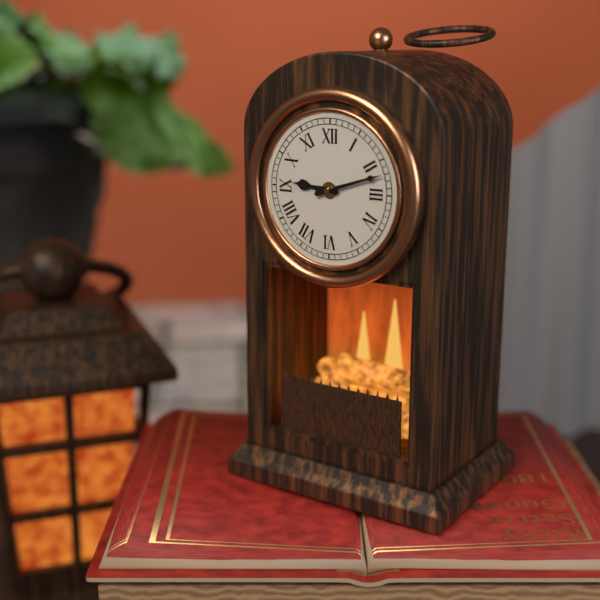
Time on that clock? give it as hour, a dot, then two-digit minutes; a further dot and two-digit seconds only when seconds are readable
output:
9.12
